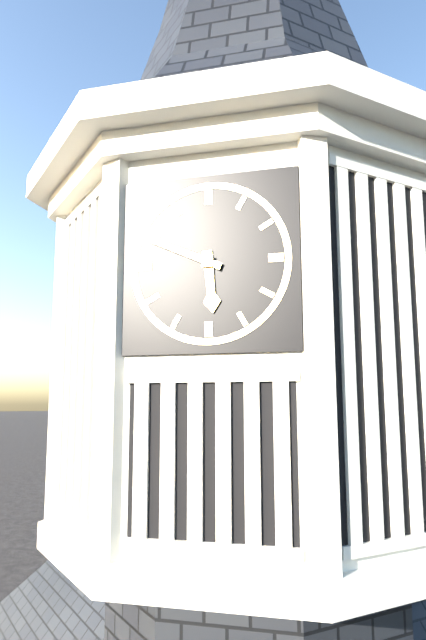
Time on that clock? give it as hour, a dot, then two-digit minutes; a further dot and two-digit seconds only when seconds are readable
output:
5.49
